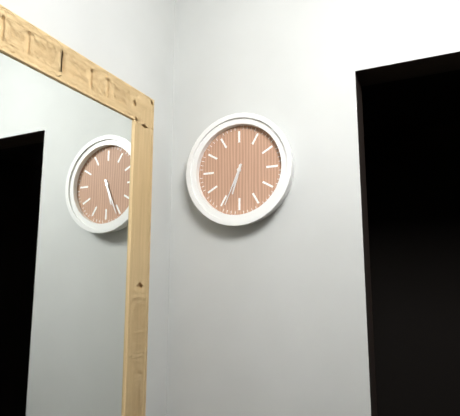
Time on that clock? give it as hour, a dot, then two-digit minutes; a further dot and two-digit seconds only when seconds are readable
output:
6.34
